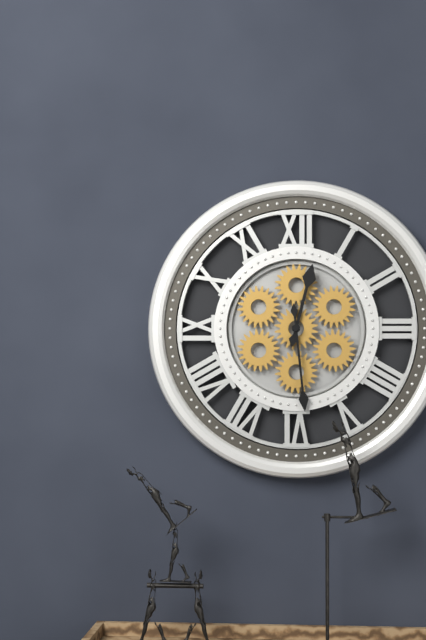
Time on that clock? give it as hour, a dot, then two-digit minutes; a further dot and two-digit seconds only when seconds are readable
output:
12.29
